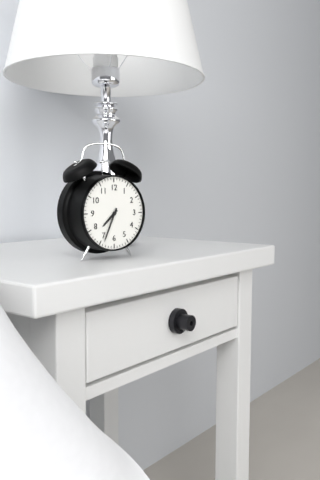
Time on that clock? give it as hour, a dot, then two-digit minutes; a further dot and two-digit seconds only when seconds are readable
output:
7.34
